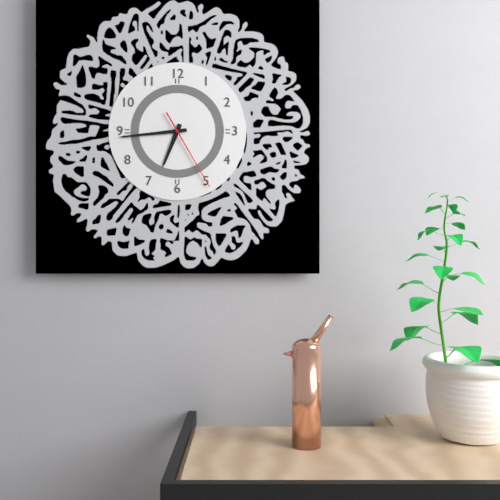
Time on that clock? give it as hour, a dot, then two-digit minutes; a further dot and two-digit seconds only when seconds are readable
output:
6.44.25
